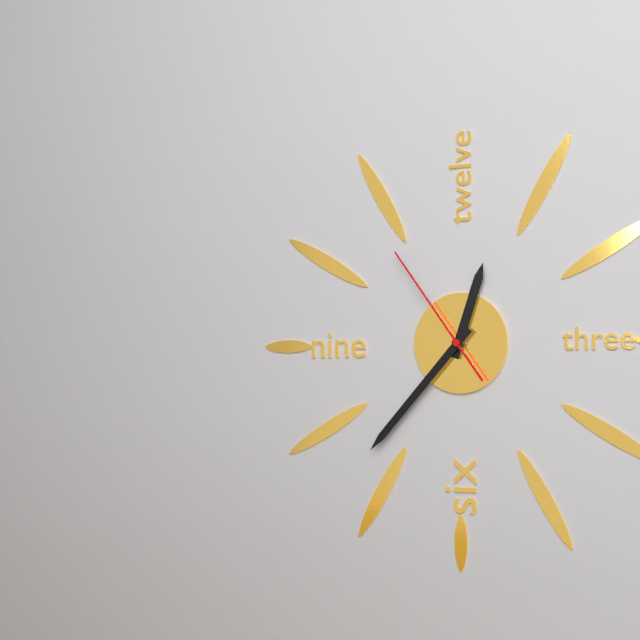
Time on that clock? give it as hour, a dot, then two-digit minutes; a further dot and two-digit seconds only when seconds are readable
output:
12.37.54
